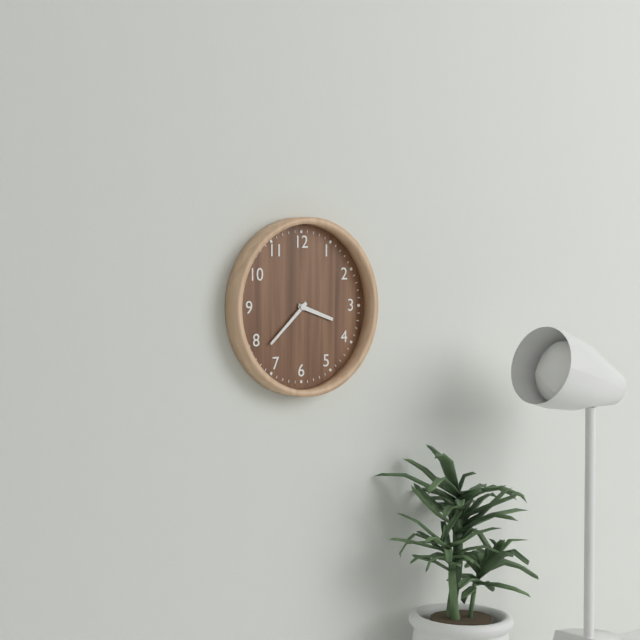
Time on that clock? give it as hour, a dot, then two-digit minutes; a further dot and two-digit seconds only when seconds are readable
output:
3.38
